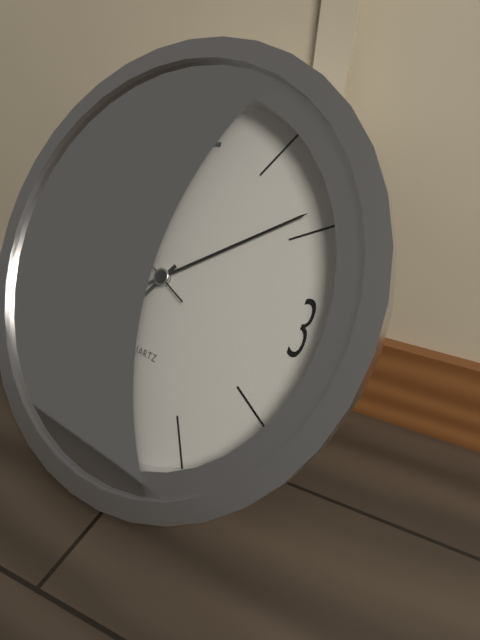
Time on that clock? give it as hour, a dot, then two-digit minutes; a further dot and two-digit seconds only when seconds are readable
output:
7.09.49
